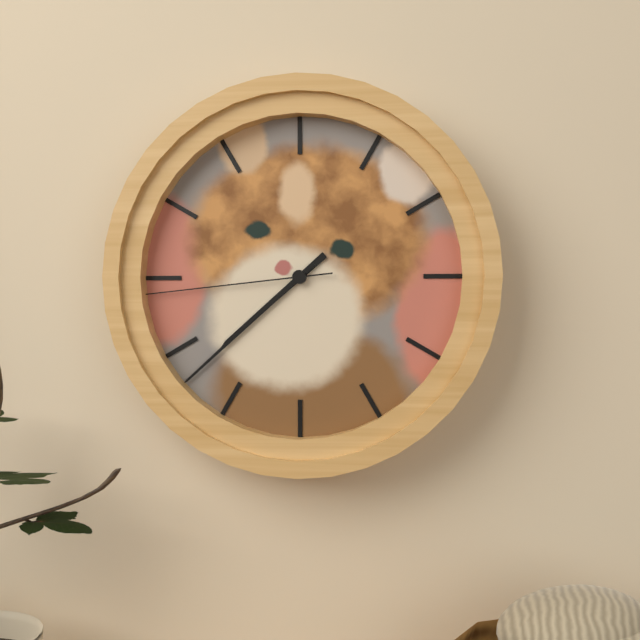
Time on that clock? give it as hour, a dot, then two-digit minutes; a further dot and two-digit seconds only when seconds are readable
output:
7.38.44
